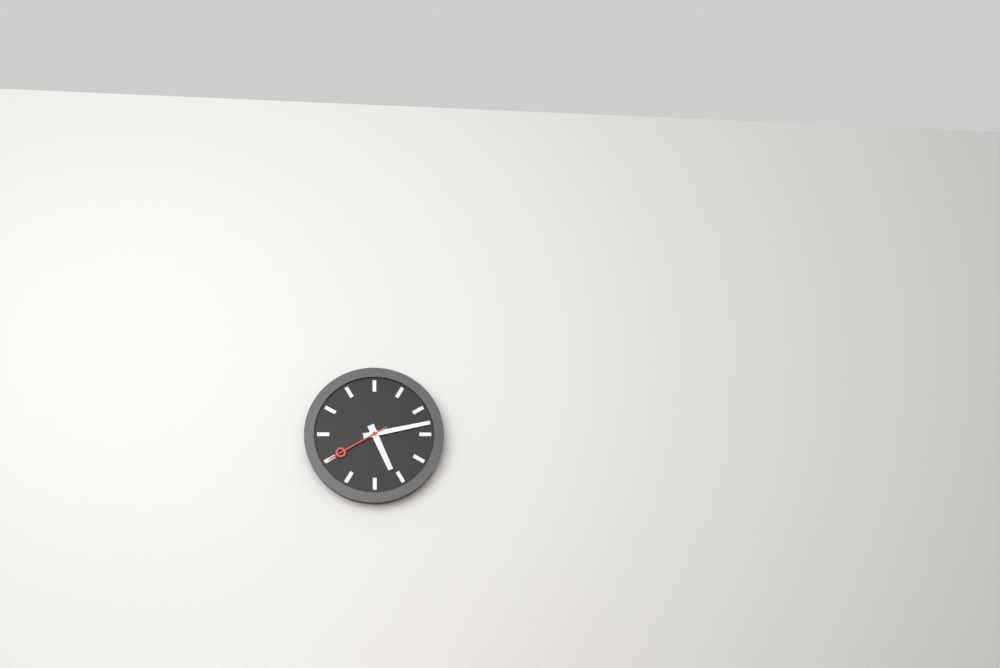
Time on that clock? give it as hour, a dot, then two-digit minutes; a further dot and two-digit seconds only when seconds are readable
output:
5.13.40
